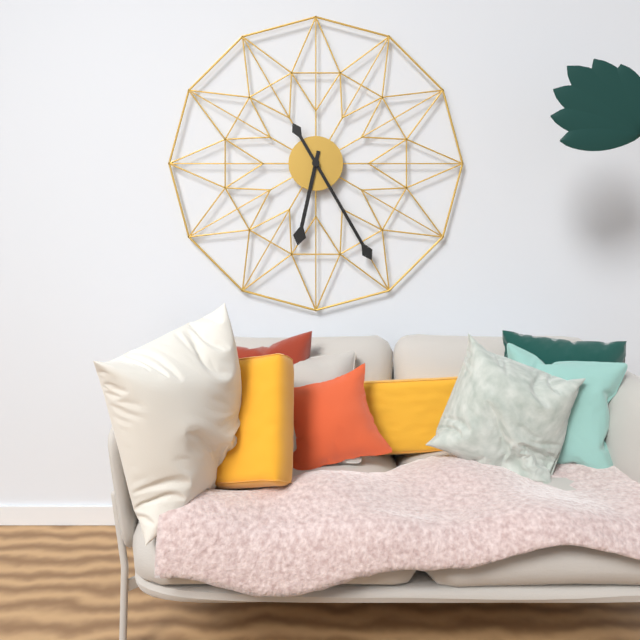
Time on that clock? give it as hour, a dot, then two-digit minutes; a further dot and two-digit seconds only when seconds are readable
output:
6.25
